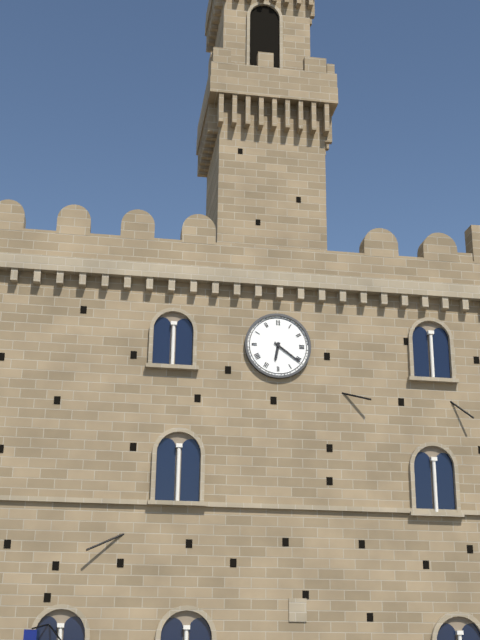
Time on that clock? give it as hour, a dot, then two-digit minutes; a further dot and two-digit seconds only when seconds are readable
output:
6.21
